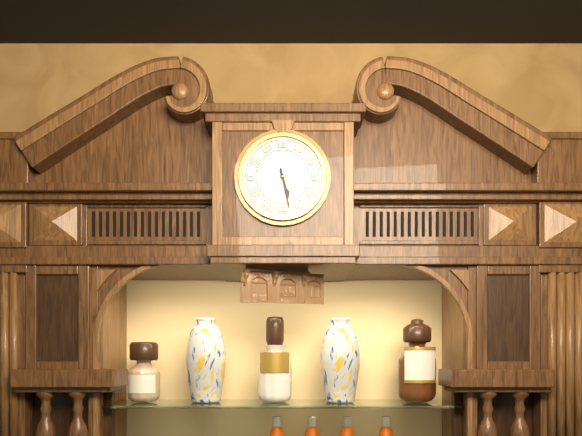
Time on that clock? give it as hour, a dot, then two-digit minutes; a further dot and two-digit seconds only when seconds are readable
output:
5.28
